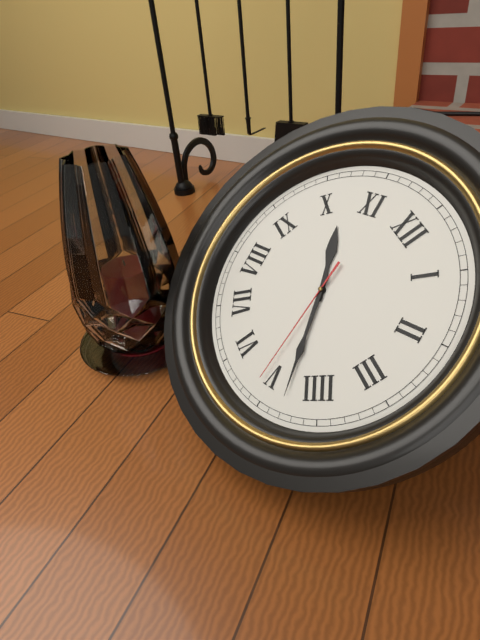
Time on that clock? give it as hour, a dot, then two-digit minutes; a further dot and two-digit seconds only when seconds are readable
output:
10.23.26
